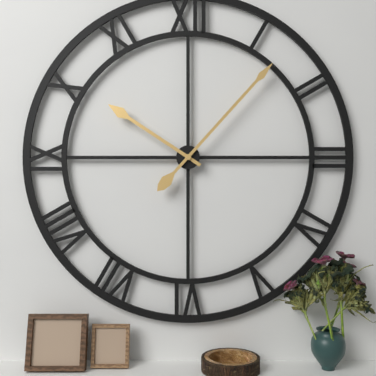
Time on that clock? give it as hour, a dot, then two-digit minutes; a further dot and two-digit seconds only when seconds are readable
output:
10.07
